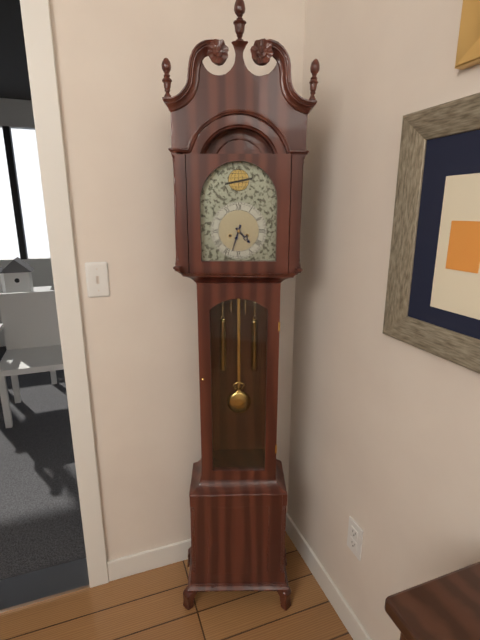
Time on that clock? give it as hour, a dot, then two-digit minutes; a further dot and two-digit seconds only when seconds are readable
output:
4.33
